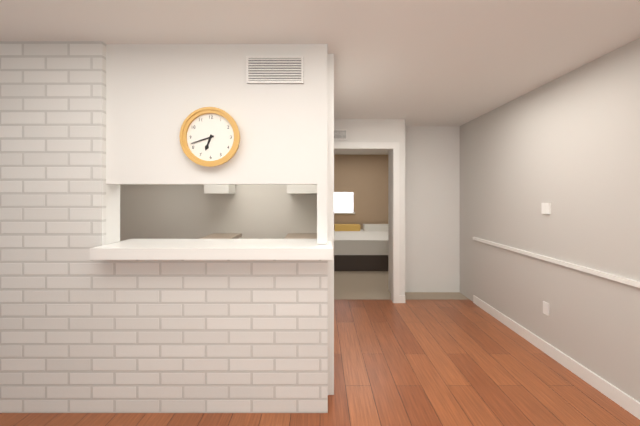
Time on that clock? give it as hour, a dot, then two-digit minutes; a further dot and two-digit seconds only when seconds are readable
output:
6.42
